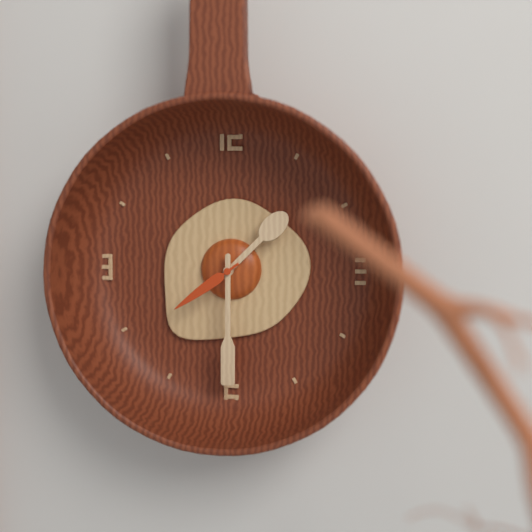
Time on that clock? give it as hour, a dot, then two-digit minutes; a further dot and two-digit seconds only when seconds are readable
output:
1.30.39
